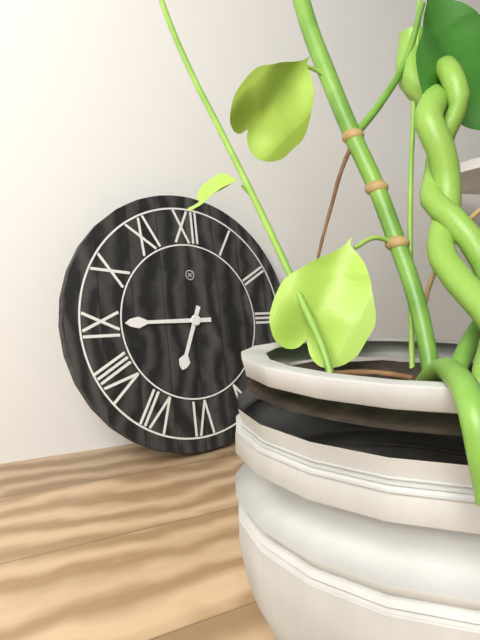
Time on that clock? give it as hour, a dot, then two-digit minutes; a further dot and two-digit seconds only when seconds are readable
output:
6.45
